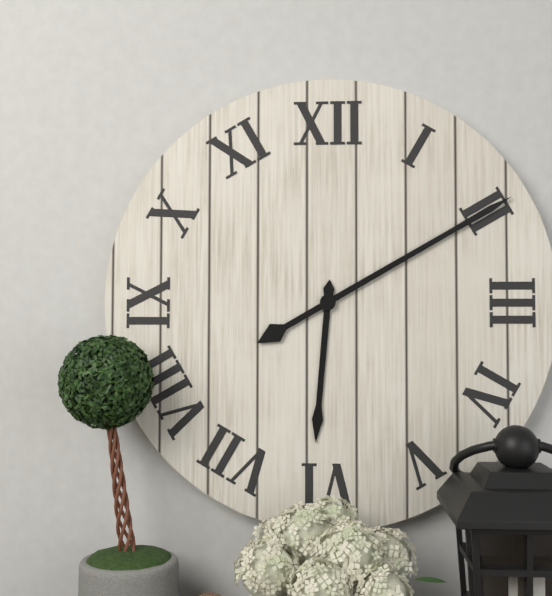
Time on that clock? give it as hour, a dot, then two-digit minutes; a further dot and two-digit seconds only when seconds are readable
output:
6.10
